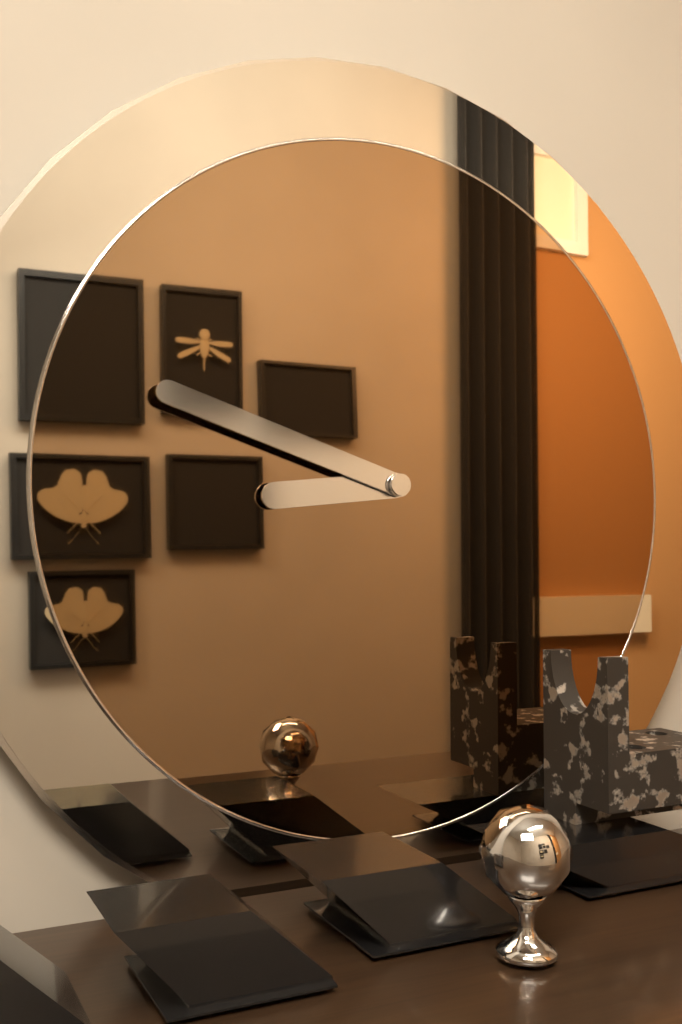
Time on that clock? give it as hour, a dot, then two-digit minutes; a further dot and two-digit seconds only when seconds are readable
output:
8.48
